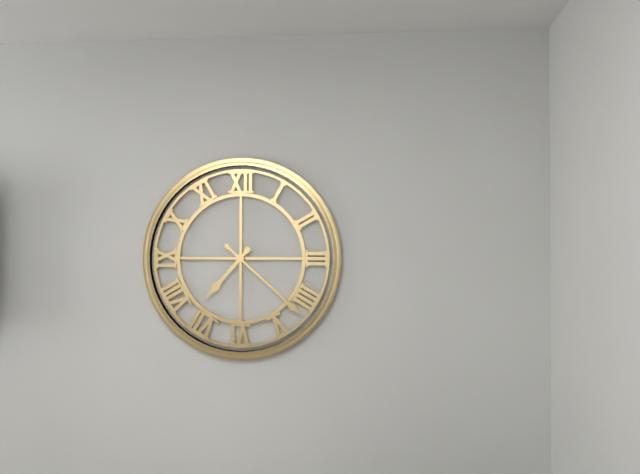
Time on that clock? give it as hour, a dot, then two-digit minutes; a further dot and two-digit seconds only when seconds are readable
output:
7.22
